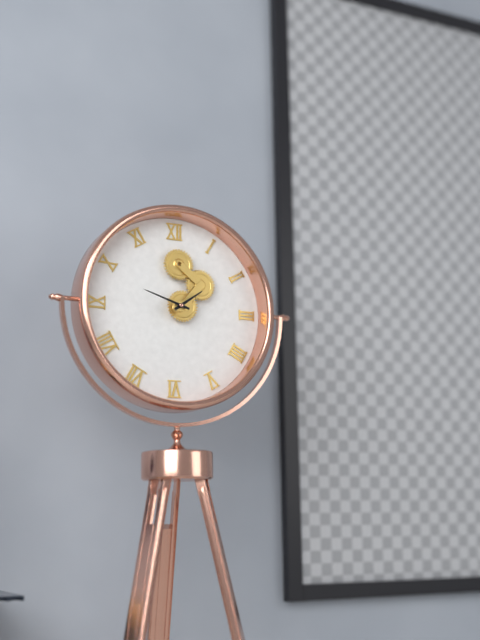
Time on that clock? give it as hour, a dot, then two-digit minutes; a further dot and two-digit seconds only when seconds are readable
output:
1.48
